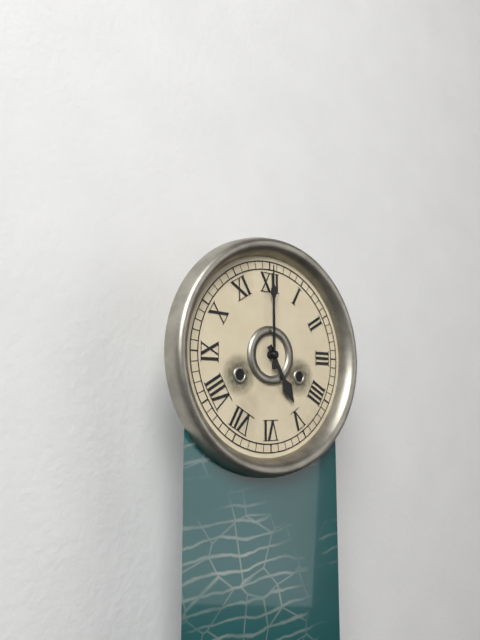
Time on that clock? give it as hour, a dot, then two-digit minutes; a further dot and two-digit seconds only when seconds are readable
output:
5.00
